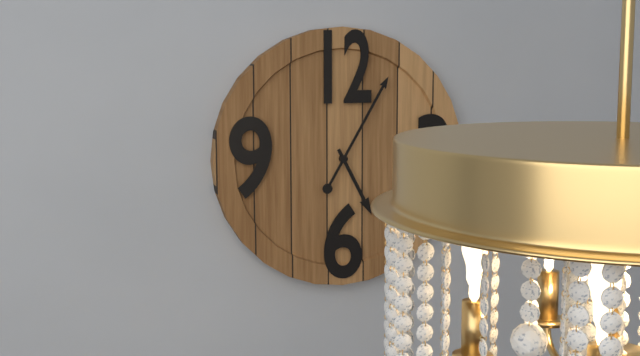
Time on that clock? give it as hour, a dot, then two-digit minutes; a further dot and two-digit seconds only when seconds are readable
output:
5.05
